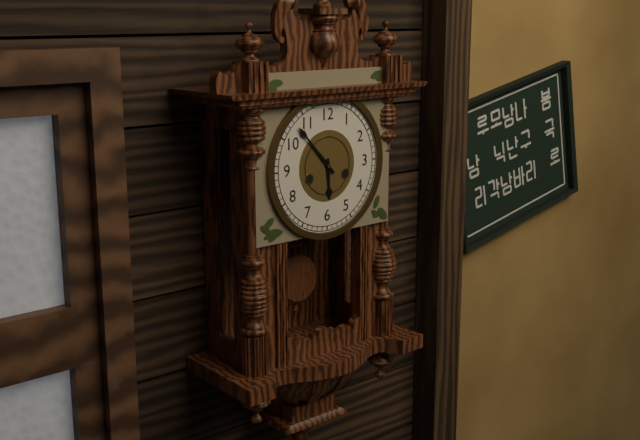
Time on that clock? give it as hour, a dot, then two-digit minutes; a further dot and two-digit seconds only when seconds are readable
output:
5.53
